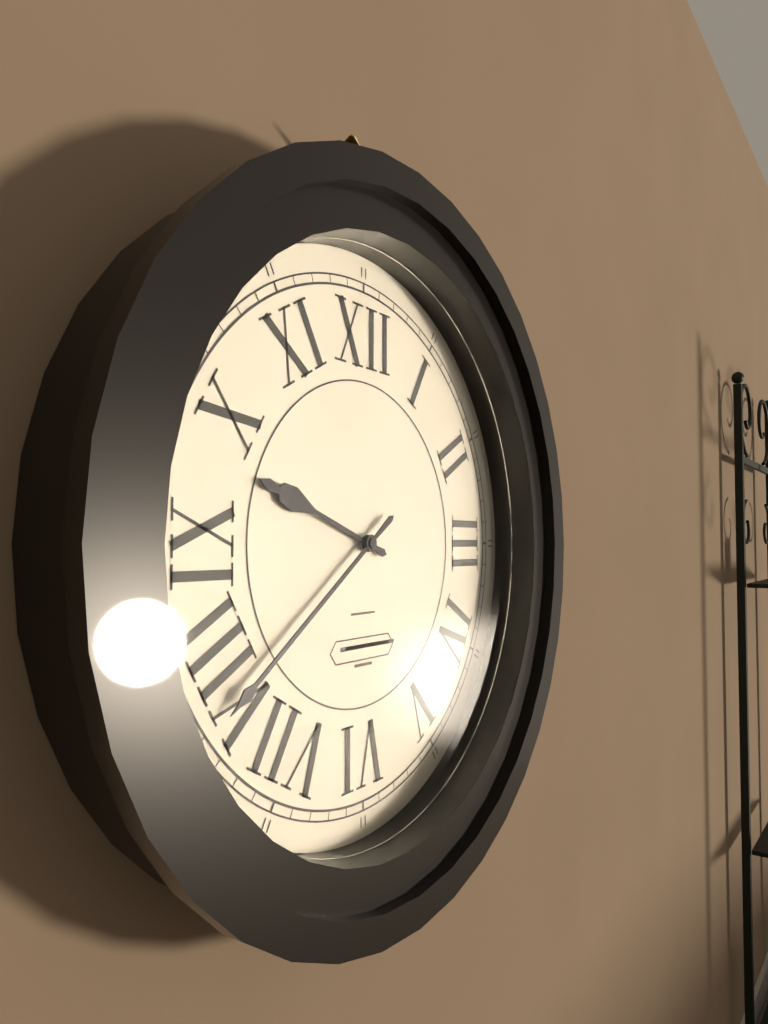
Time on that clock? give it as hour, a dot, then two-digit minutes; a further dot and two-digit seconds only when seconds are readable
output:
9.39
